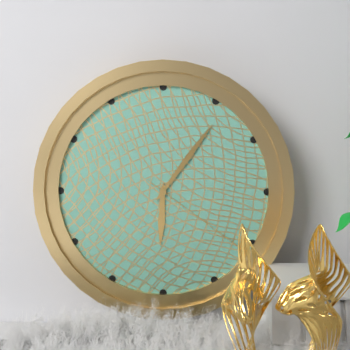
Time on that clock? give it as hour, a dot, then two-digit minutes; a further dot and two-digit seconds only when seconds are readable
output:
6.06.21
